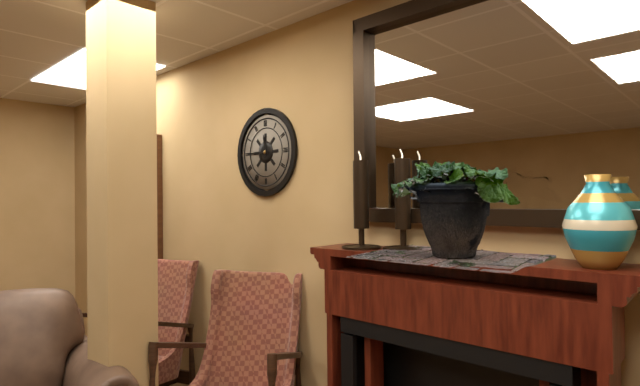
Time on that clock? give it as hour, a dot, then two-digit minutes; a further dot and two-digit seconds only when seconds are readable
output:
11.45
